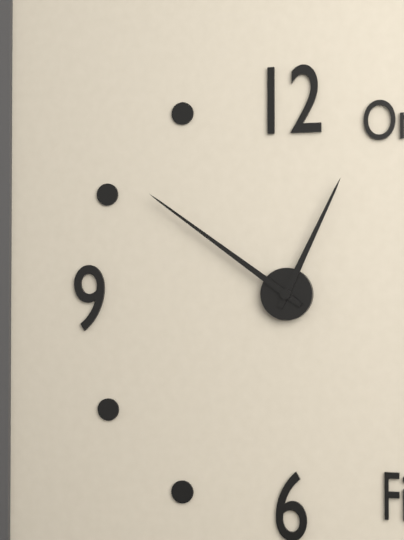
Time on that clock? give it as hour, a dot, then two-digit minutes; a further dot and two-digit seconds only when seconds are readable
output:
12.51
